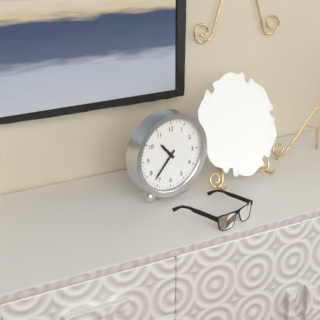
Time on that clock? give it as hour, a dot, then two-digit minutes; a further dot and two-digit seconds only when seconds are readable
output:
10.37
